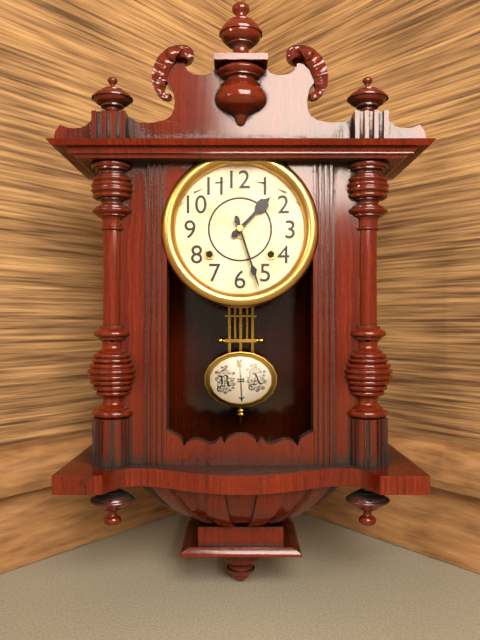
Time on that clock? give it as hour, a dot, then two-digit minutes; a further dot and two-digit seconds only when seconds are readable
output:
1.27
